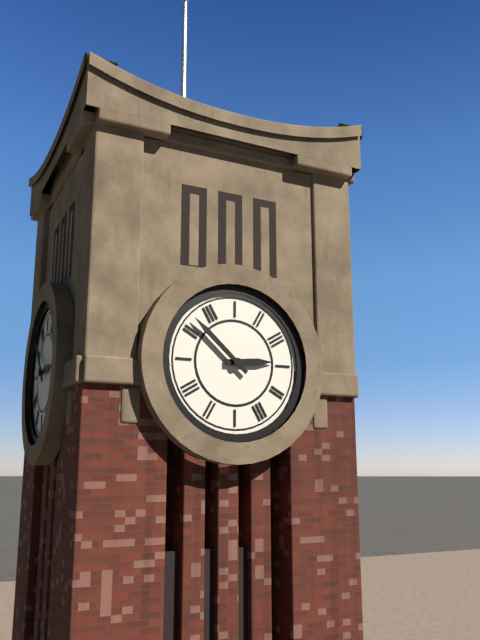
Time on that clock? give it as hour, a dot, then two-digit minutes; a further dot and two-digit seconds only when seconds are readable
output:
2.52
